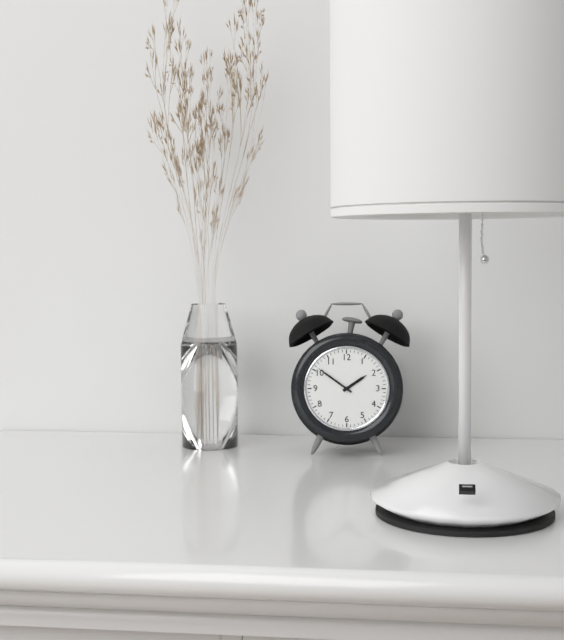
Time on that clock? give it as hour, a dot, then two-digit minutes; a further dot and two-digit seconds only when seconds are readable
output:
1.51
